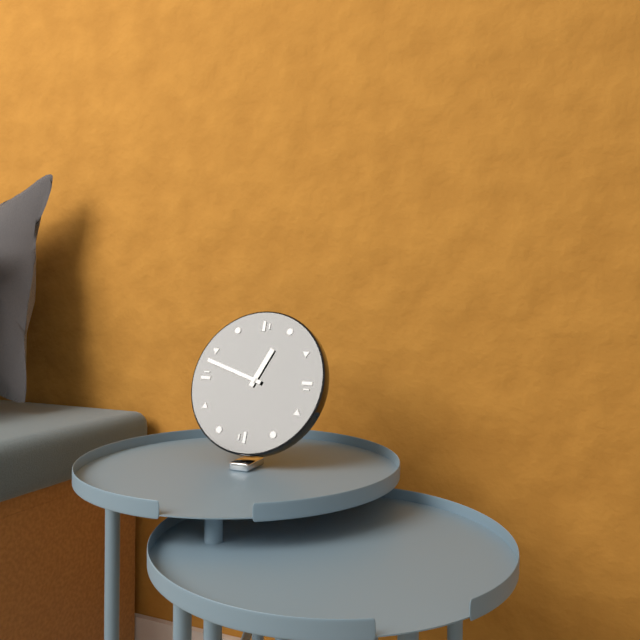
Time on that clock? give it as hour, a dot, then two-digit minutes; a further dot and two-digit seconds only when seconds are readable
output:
12.48
